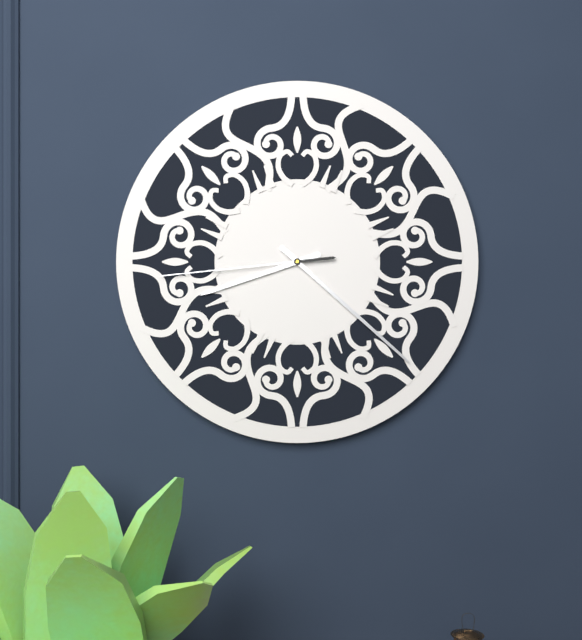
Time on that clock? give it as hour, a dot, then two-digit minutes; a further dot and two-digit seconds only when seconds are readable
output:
8.22.44
